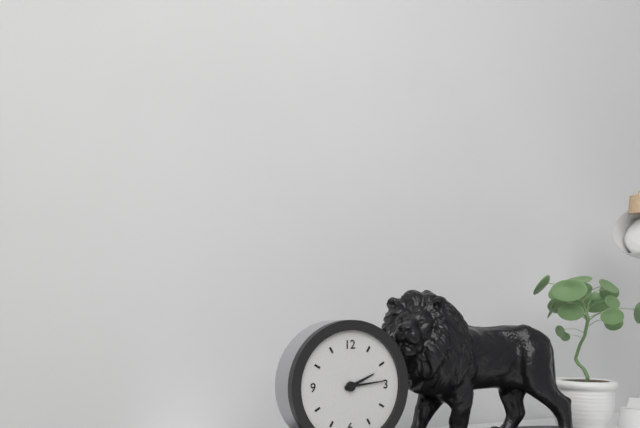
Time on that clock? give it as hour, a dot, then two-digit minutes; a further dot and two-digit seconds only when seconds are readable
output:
2.14
